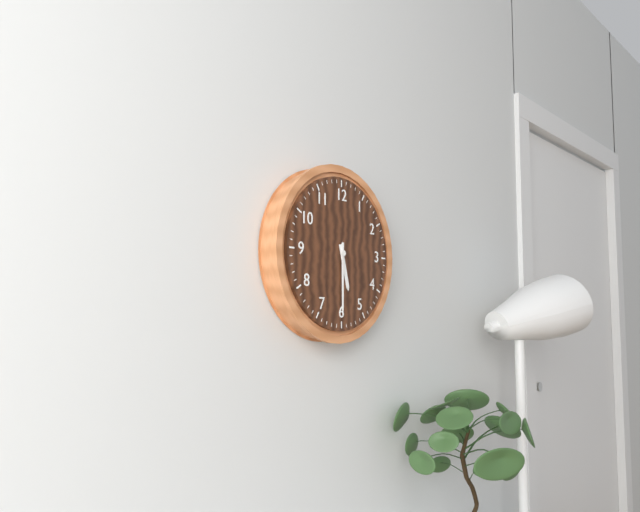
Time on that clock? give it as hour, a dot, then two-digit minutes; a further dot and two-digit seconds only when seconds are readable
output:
5.30
